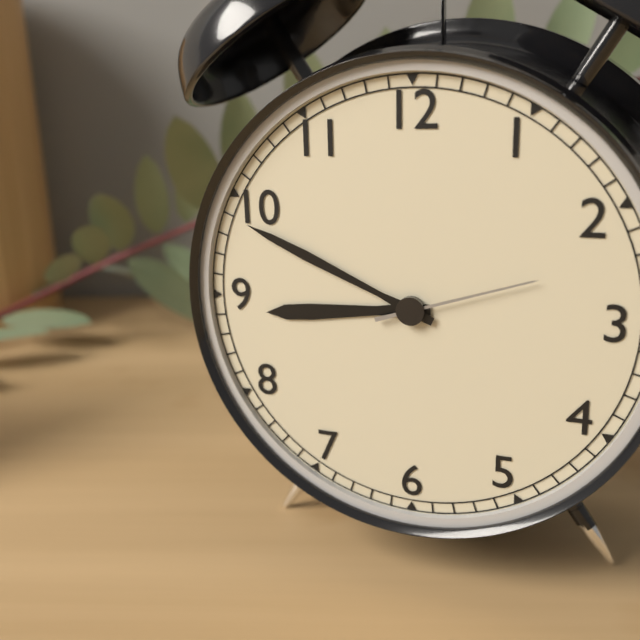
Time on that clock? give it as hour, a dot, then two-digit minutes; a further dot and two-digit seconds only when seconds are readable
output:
8.49.12
